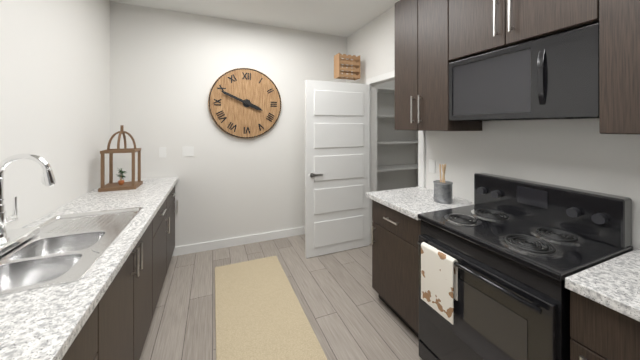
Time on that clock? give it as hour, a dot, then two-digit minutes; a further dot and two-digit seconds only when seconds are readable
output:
3.49
